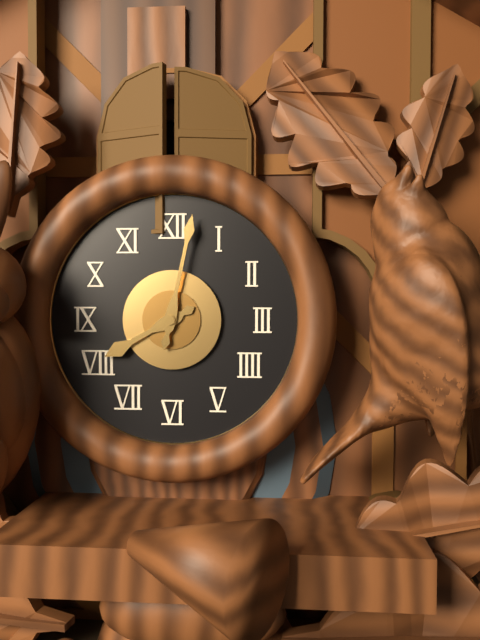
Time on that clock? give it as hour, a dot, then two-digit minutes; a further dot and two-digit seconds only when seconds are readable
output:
8.02
